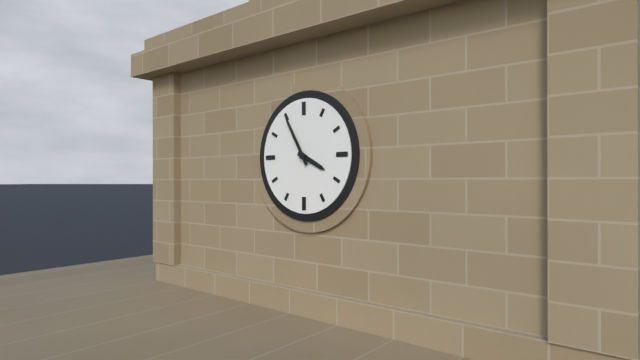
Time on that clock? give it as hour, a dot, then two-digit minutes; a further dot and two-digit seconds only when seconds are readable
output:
3.55
